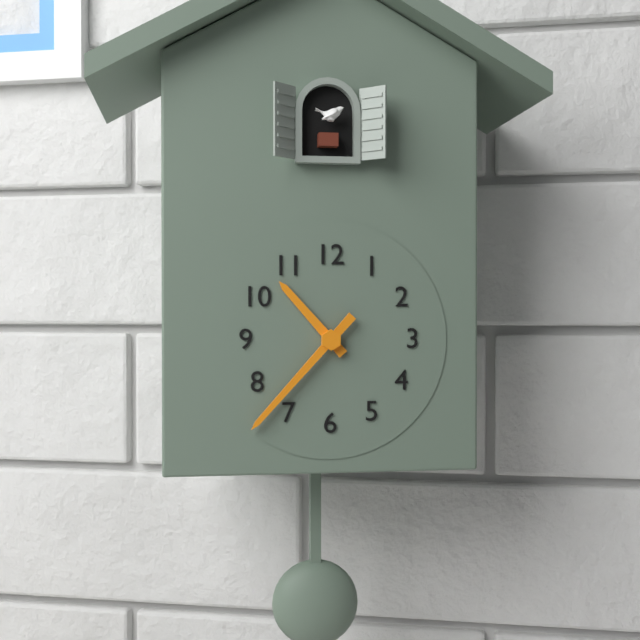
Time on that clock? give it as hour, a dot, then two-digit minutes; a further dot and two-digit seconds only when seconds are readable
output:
10.37
